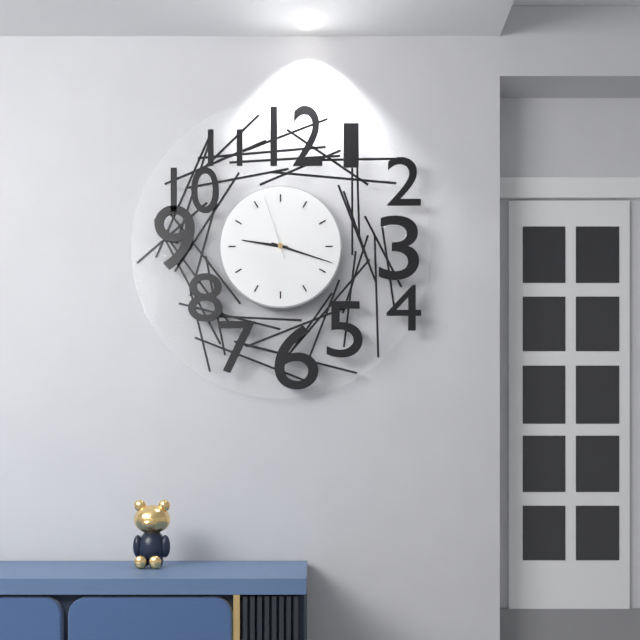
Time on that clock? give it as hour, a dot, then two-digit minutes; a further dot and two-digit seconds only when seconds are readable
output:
9.18.57
